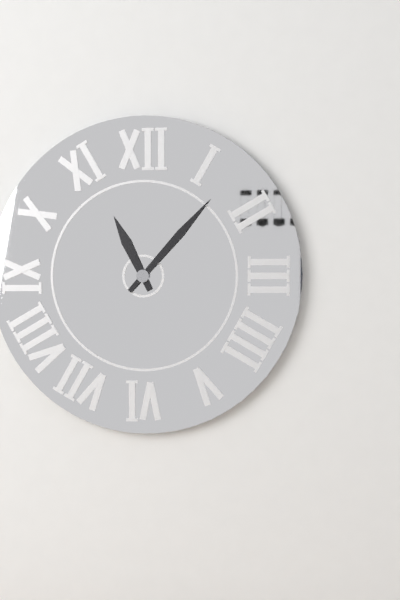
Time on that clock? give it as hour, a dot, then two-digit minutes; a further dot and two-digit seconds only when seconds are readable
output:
11.07
